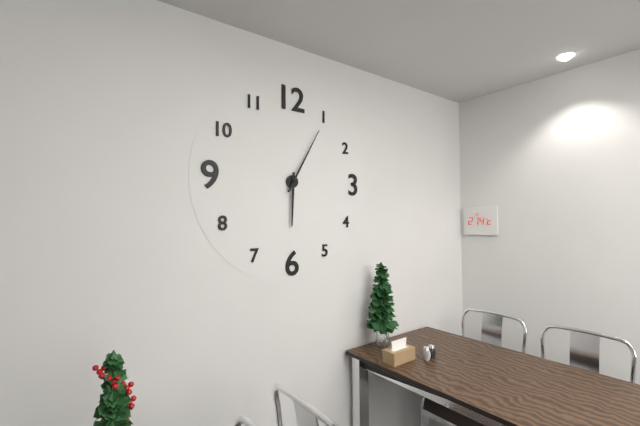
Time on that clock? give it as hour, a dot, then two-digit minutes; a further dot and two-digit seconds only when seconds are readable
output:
6.05
